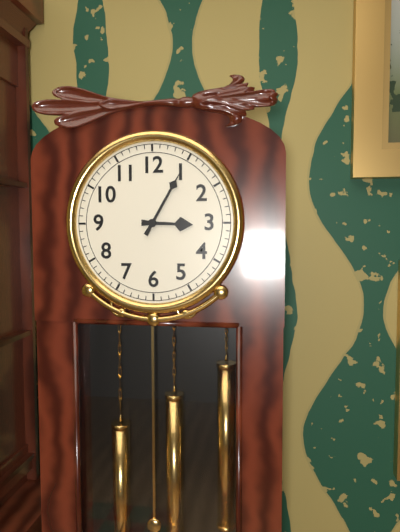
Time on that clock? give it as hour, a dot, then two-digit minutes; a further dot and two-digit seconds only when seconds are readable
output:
3.05
